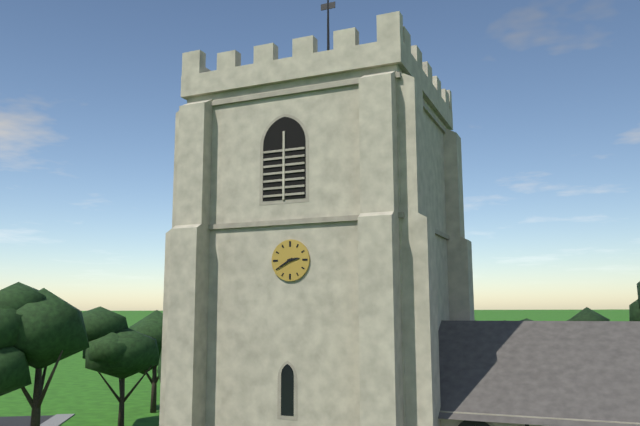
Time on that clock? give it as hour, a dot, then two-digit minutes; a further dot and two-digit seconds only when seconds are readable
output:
2.40
